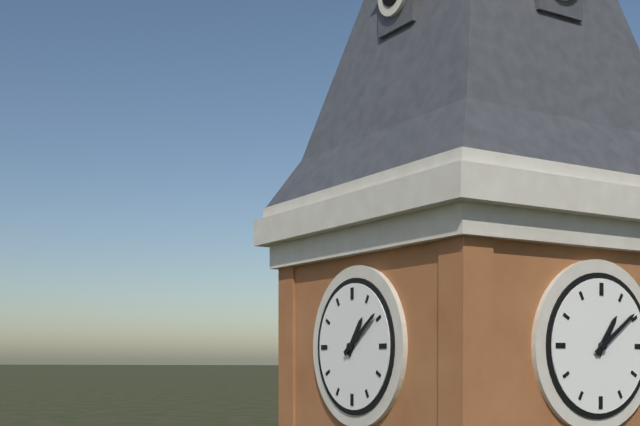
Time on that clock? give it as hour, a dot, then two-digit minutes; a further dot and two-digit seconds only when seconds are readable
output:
1.09
